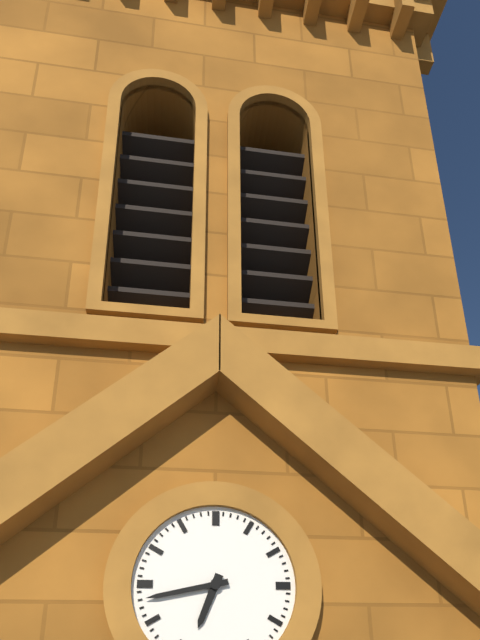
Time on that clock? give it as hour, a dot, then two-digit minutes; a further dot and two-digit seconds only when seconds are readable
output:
6.43
